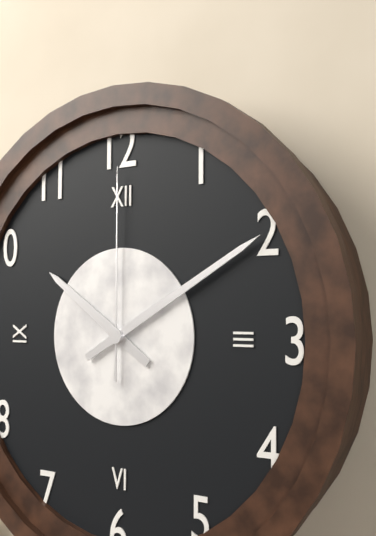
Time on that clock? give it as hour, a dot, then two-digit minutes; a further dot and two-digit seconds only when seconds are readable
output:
10.10.00
